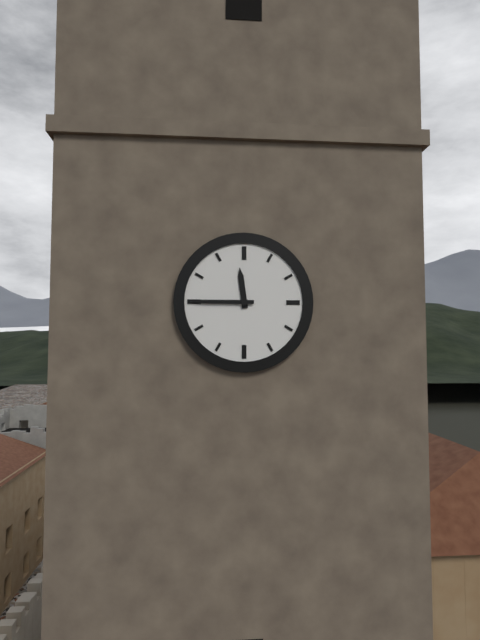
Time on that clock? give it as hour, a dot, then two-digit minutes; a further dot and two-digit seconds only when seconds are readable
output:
11.45
